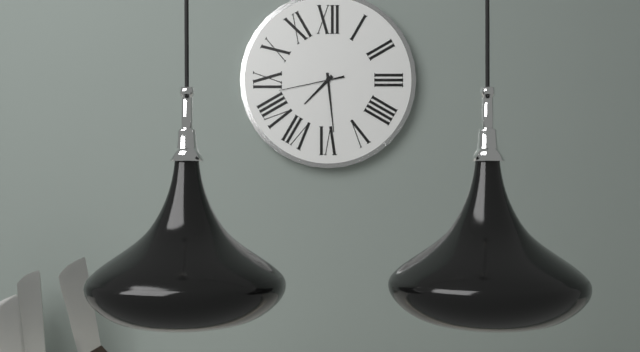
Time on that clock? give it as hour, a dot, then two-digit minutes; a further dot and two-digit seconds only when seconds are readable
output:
7.29.43
